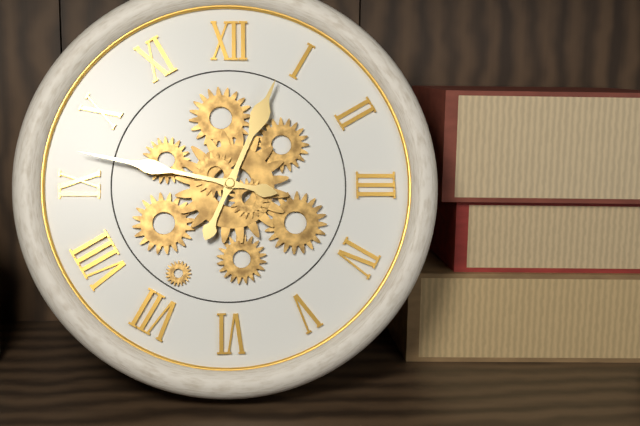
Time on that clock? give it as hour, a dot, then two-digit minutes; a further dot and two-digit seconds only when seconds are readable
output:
12.47
